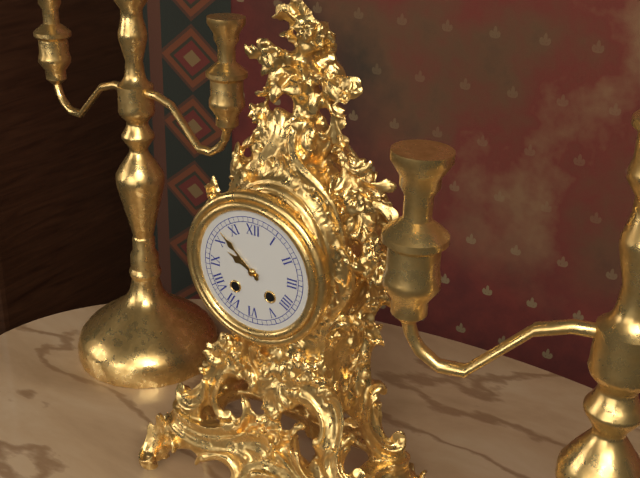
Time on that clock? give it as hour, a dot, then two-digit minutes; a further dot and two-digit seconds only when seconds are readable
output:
9.52
